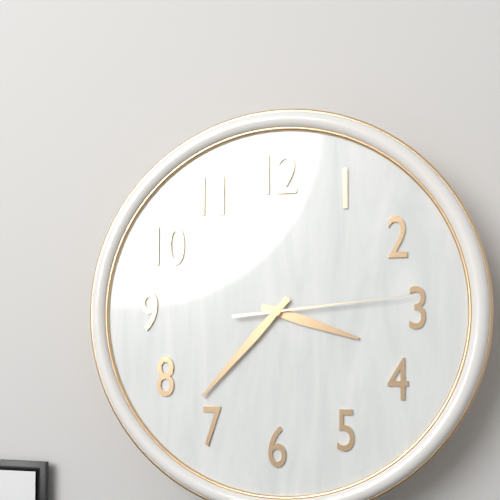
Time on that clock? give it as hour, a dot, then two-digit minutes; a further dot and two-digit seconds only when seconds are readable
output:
3.37.14
